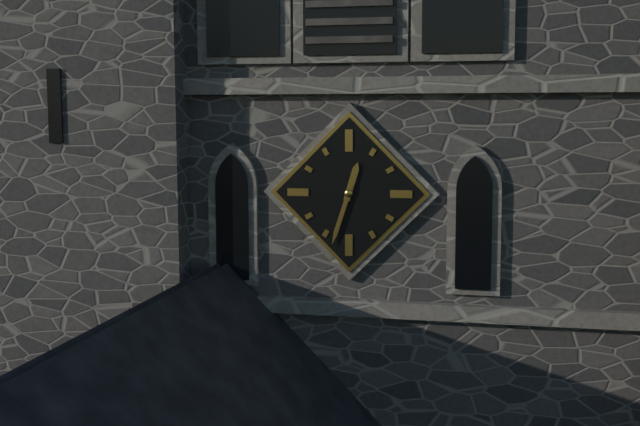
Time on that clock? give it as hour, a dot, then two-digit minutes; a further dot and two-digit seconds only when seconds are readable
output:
12.33
